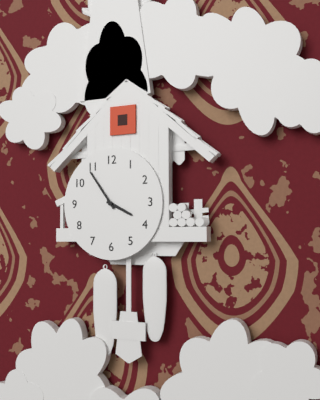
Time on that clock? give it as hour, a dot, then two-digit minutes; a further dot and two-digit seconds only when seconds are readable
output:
3.54
